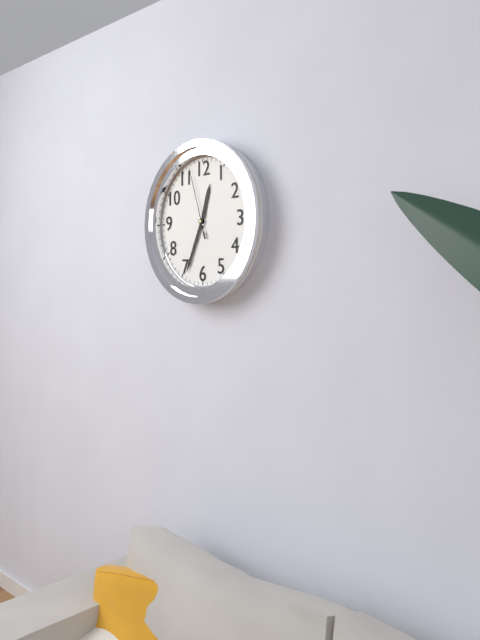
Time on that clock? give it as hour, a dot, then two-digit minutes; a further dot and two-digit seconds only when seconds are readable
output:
12.34.57
